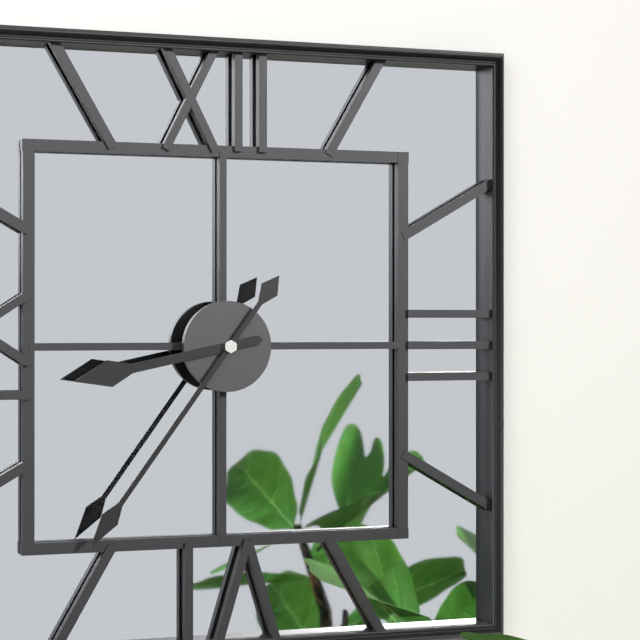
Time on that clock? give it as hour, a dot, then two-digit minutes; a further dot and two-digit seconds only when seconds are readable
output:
8.36
